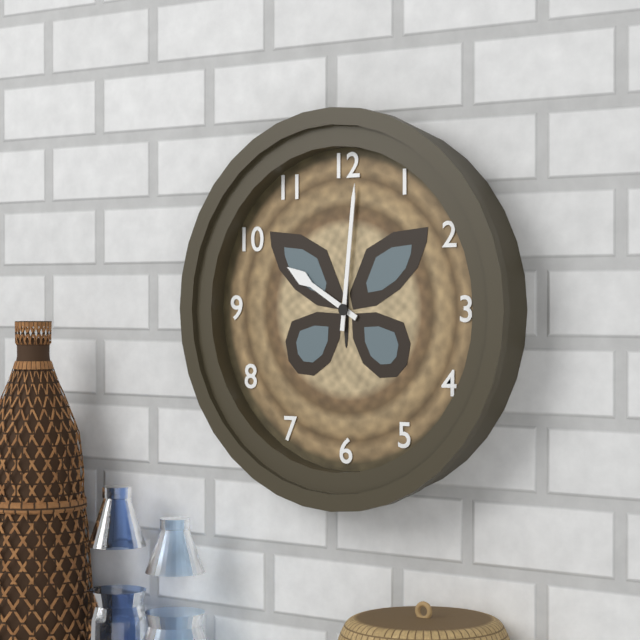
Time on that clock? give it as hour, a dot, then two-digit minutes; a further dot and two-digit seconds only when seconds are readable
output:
10.01
